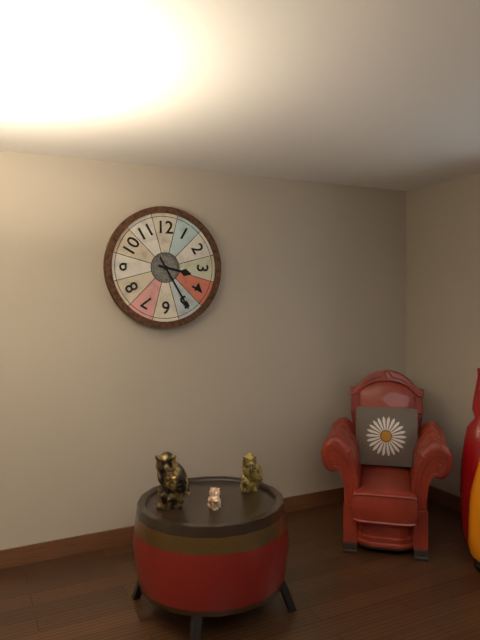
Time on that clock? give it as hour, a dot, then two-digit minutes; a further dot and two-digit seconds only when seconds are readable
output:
3.25
